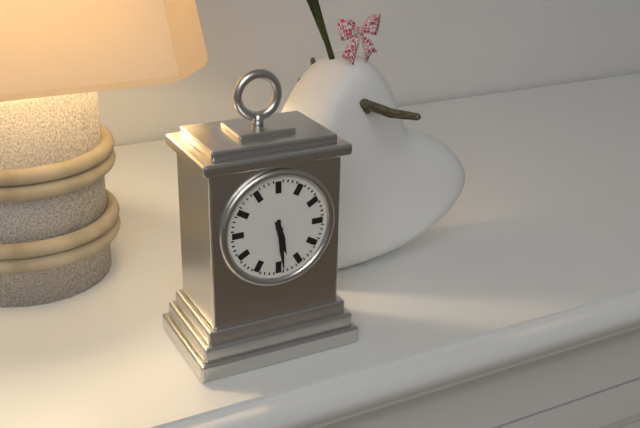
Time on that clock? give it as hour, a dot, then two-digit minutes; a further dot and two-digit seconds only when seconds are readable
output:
5.29
